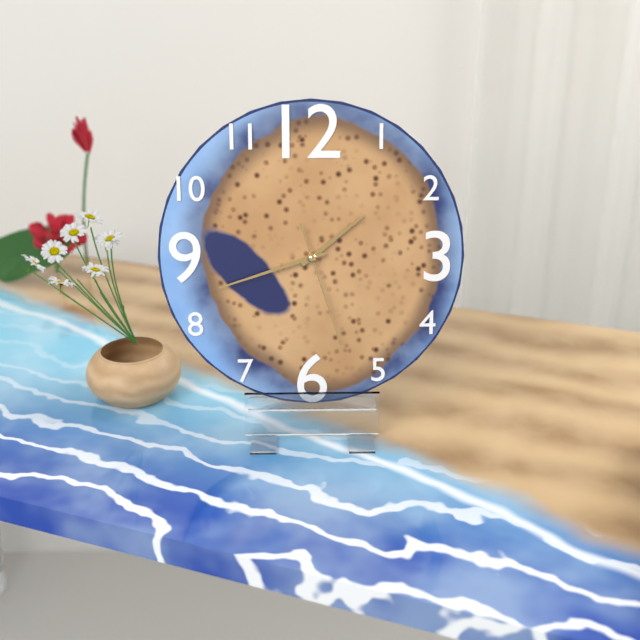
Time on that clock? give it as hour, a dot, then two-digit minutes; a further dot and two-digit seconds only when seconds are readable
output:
1.42.27
